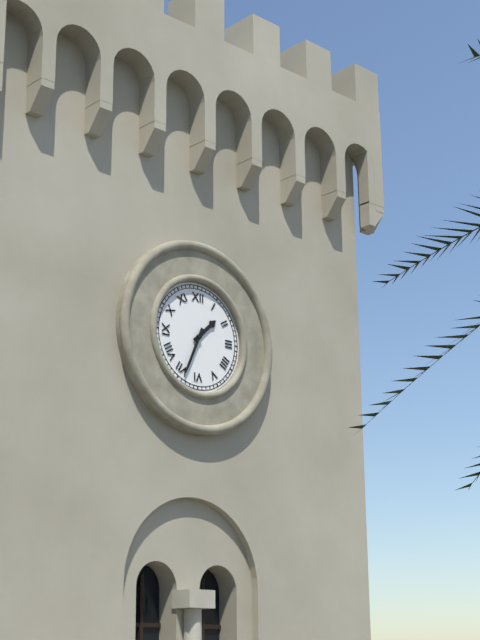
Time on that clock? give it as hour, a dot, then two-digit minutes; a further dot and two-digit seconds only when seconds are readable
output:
1.34
